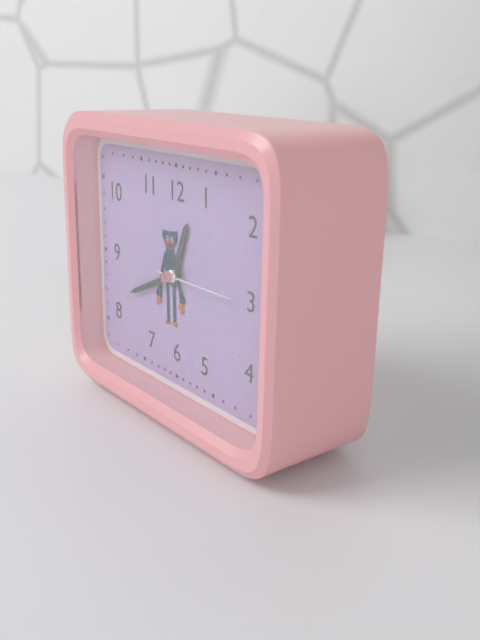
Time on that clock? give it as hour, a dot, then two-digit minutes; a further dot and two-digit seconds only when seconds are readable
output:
12.41.15
